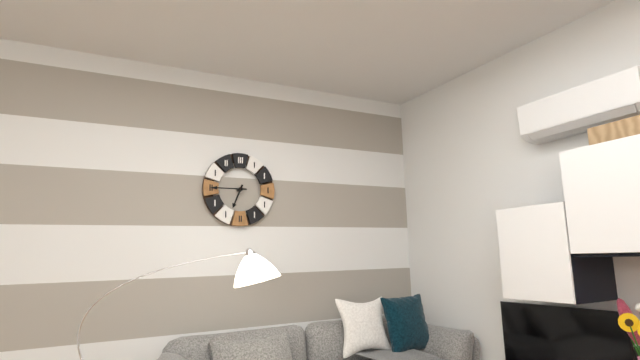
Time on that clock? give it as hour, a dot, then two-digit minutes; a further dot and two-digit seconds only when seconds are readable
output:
6.45
